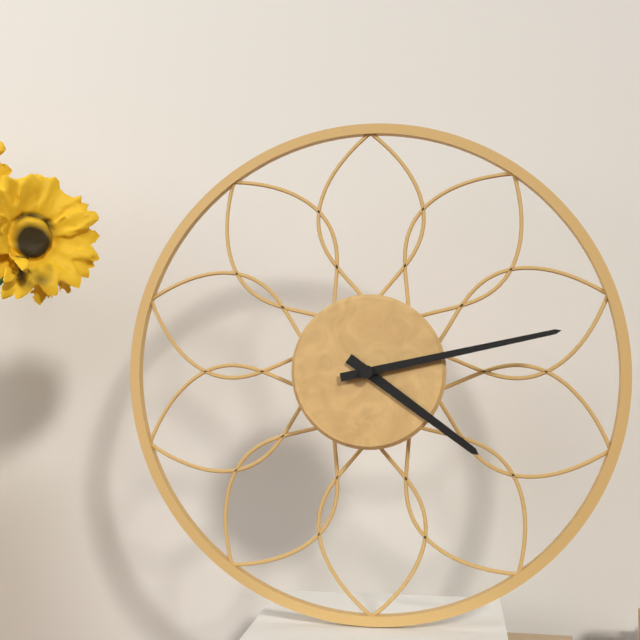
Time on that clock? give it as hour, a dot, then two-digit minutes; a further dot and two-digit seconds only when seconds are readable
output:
4.13
